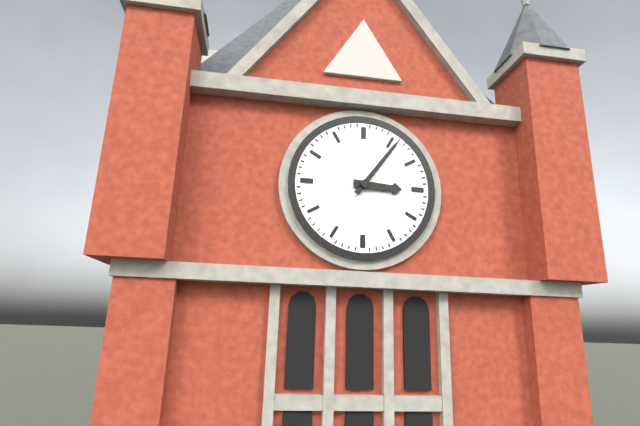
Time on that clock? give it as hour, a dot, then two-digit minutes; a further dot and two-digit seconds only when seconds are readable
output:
3.06
